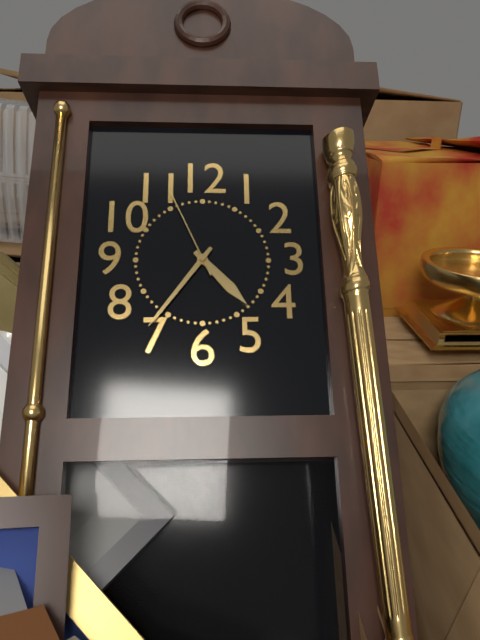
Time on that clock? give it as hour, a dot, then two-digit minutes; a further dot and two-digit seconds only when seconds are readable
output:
4.36.56
